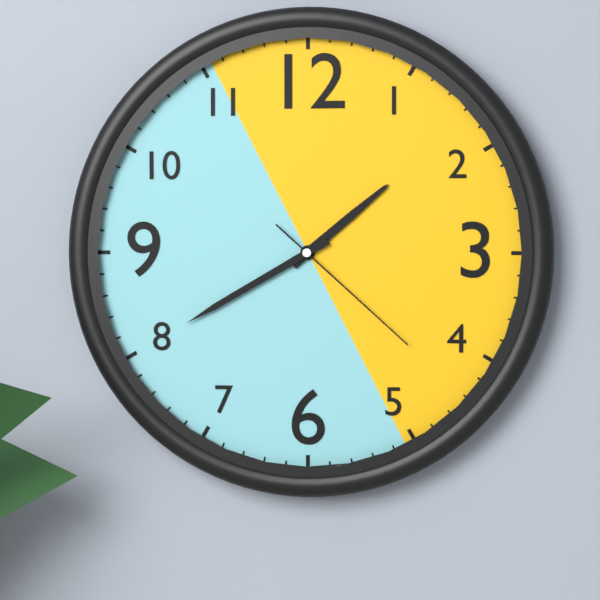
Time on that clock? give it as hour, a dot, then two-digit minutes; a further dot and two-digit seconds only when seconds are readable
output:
1.40.22
